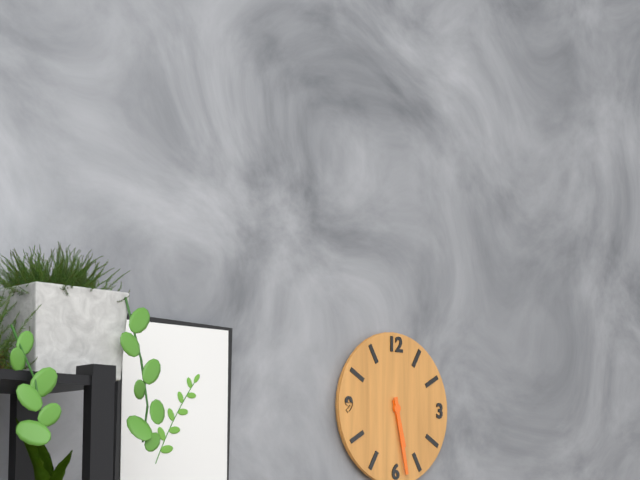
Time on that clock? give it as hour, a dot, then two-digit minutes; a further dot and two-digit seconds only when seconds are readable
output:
5.28
